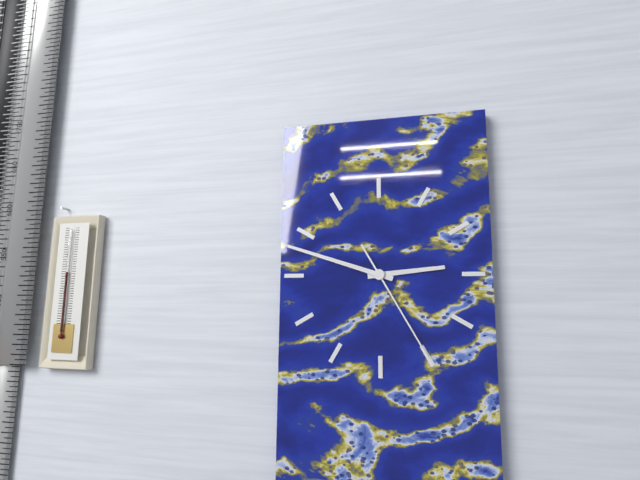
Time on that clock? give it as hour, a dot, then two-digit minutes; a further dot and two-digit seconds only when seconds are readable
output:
2.48.25
